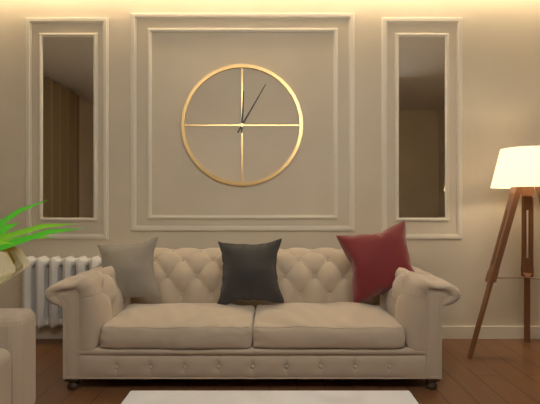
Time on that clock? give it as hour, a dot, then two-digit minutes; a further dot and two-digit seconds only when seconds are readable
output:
12.05
